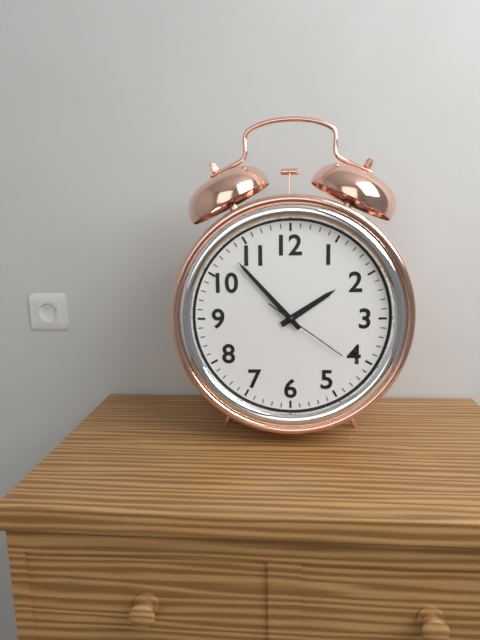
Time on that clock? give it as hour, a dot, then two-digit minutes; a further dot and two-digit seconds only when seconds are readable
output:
1.53.21
